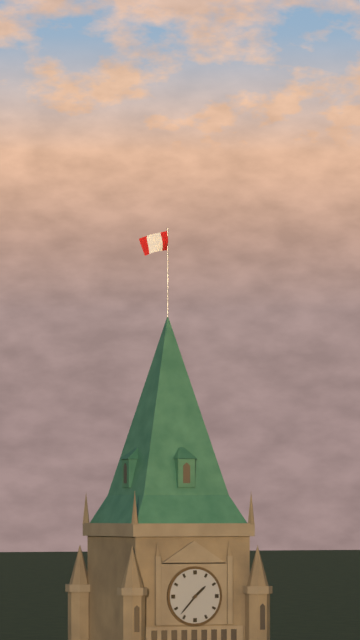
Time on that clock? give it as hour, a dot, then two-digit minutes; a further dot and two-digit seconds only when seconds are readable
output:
1.37
